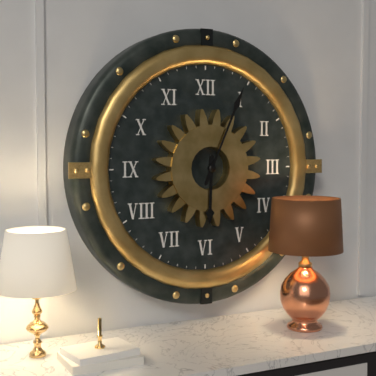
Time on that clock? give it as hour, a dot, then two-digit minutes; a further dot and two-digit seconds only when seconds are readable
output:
6.04
